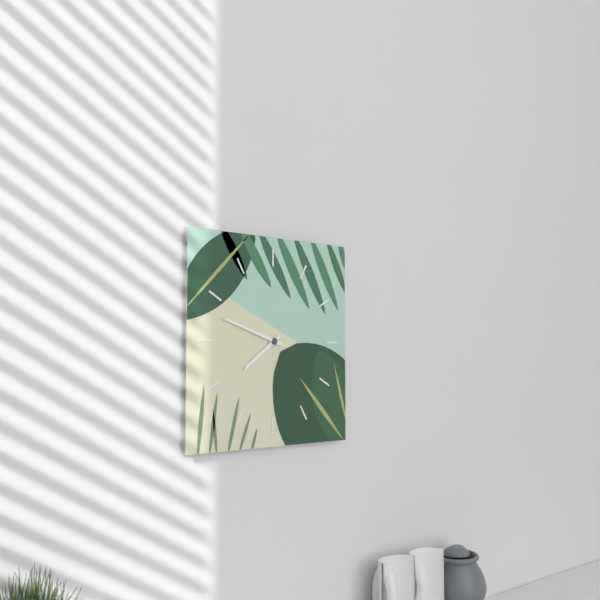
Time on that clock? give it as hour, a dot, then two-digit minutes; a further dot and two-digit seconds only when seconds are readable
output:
7.48
